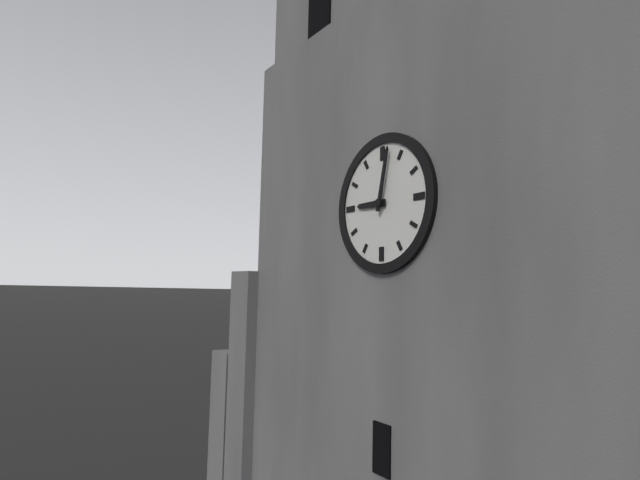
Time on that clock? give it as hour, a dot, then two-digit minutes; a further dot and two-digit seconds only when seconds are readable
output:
9.02
